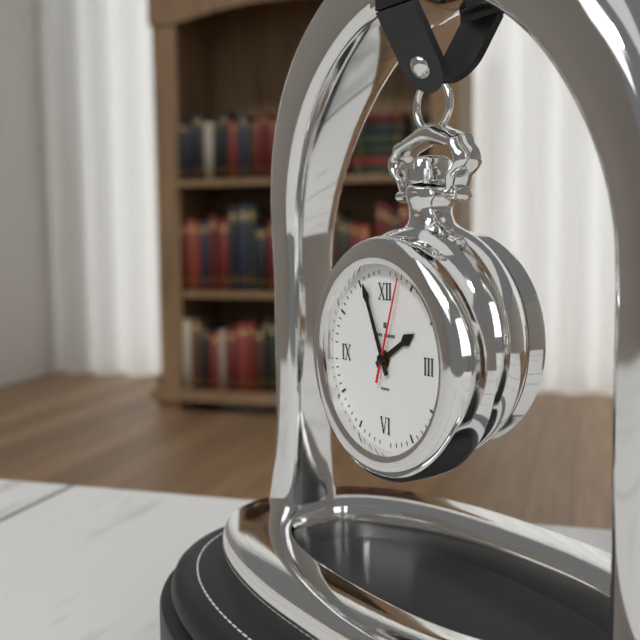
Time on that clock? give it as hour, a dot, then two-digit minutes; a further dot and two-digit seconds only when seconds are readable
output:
1.56.03
